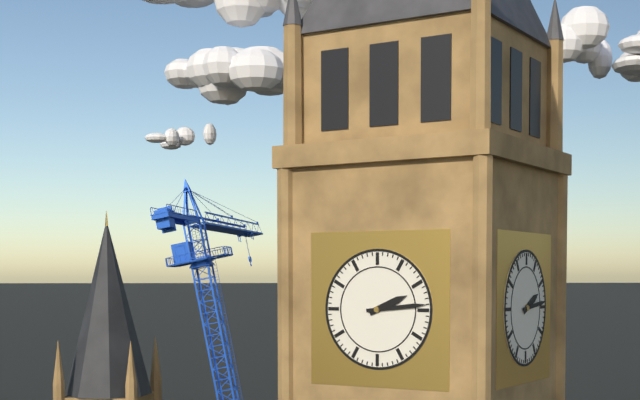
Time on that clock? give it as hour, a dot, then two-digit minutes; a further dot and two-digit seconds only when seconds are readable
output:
2.14
